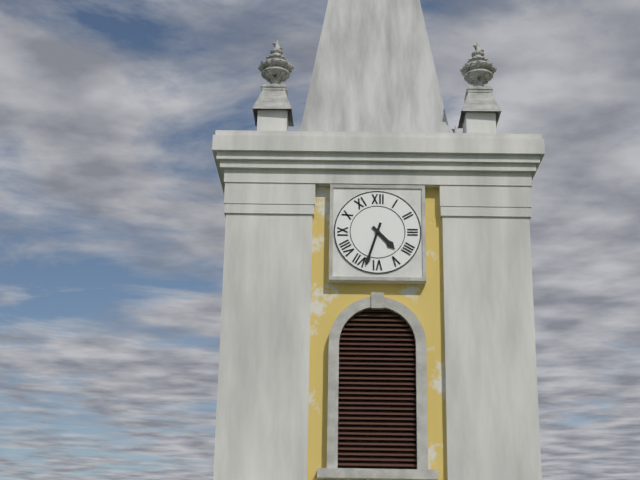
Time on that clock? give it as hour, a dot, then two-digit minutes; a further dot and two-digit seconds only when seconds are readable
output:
4.33
